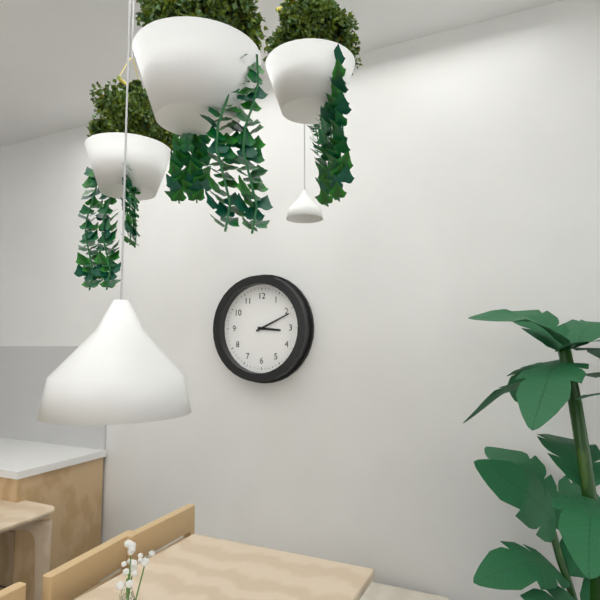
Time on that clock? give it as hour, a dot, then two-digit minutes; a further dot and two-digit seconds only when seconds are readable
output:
3.11
